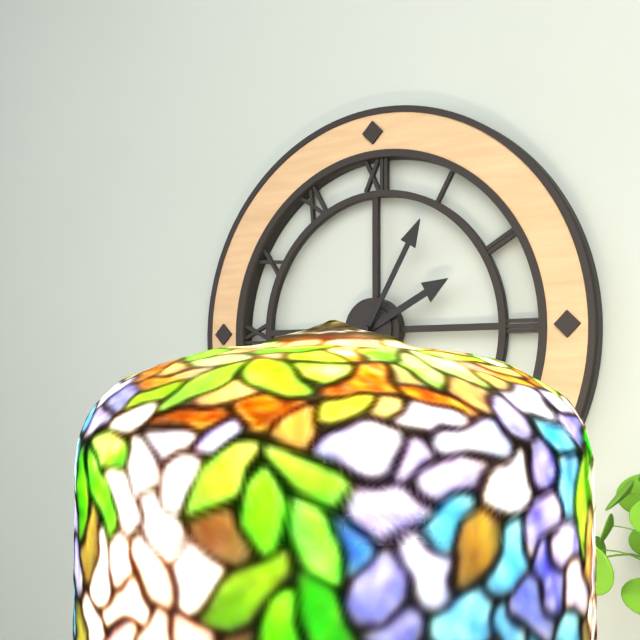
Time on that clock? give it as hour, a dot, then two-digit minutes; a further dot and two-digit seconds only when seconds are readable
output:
2.05
